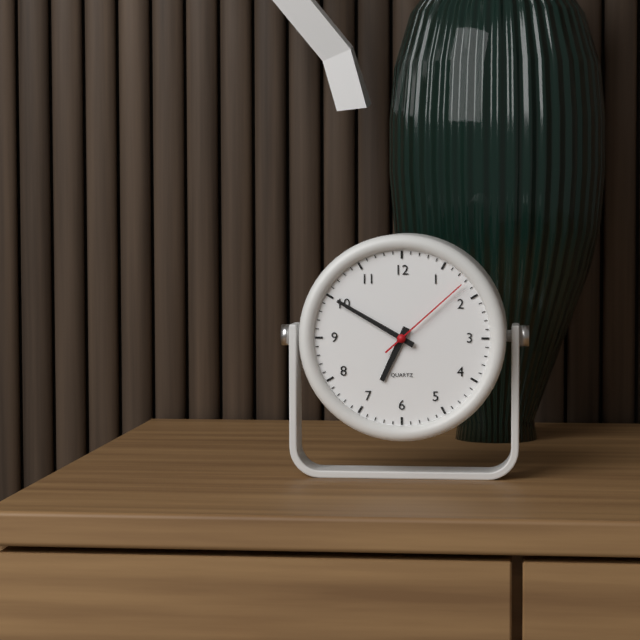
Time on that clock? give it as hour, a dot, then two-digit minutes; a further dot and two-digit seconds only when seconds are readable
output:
6.50.08
